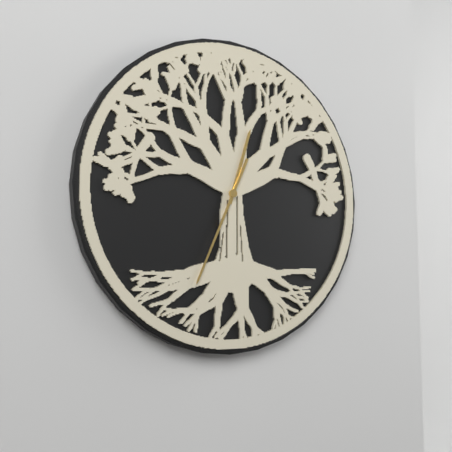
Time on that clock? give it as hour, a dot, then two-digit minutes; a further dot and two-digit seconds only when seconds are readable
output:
12.34
